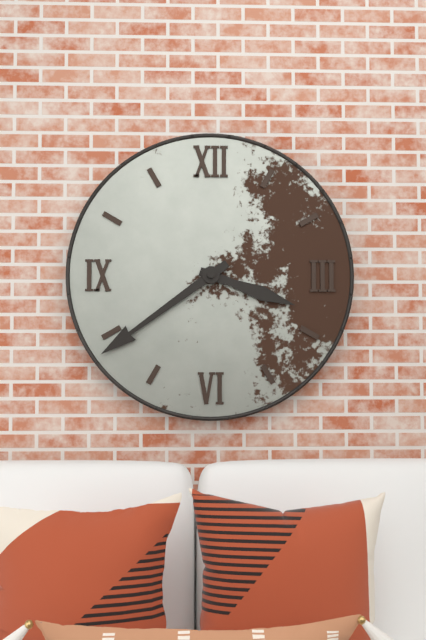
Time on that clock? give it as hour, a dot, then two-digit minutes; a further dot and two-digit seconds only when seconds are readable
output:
3.39
